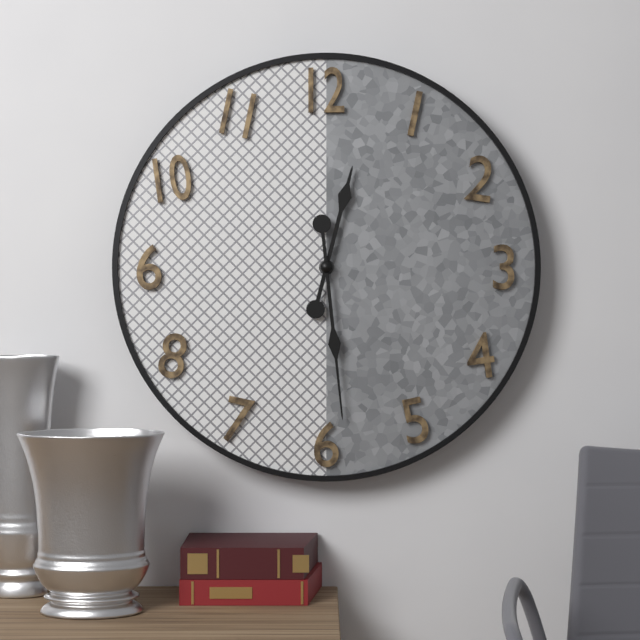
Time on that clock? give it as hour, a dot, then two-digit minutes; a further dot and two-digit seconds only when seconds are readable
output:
12.29
